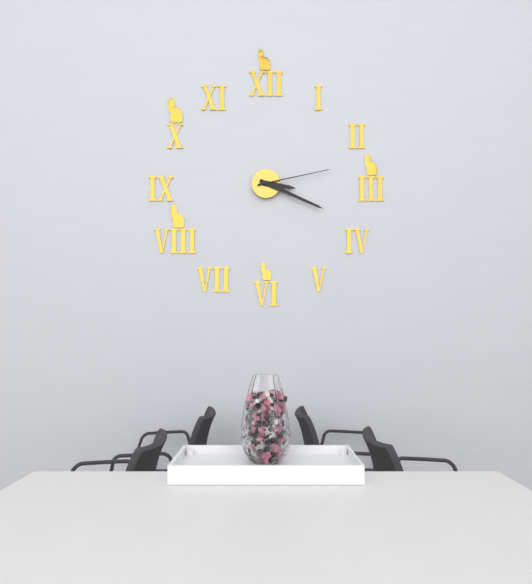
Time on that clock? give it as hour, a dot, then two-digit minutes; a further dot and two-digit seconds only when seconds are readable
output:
3.19.13
